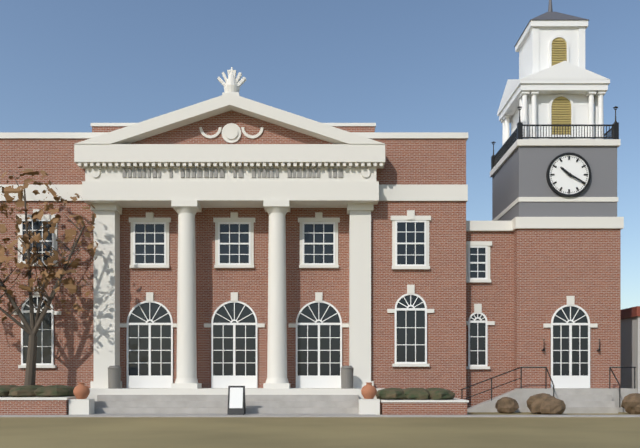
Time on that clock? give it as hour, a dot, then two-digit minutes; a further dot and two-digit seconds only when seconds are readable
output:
10.20
